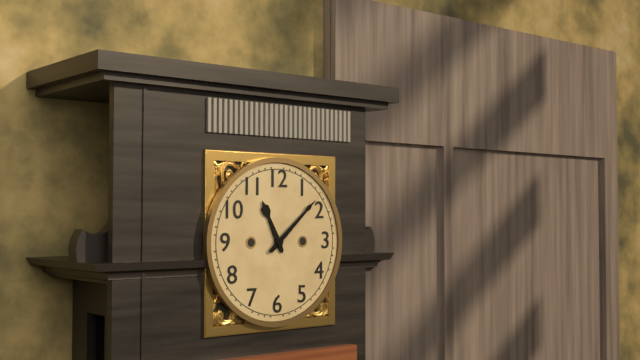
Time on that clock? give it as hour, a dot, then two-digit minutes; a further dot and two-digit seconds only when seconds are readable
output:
11.08
